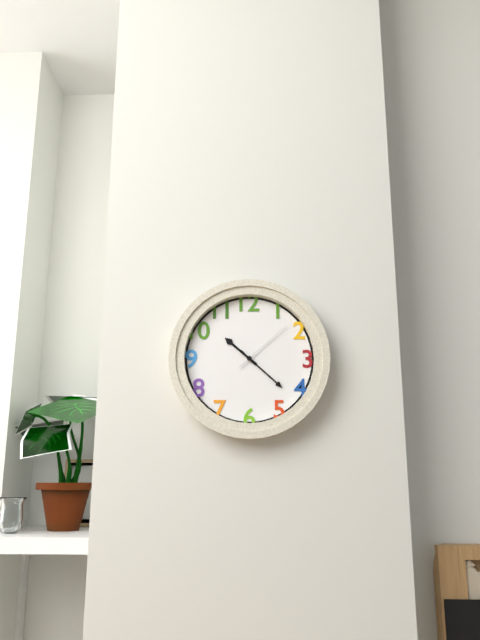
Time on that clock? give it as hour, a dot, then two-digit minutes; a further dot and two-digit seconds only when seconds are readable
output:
10.22.08
